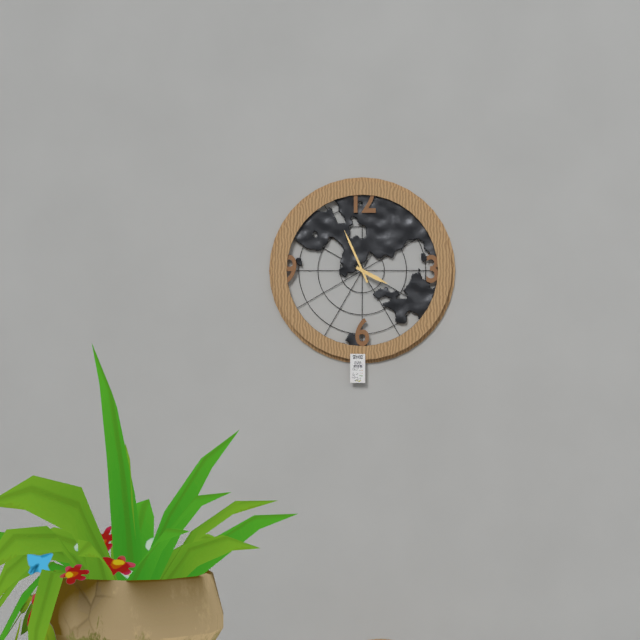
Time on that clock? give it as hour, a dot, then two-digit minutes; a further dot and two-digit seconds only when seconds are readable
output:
3.56
